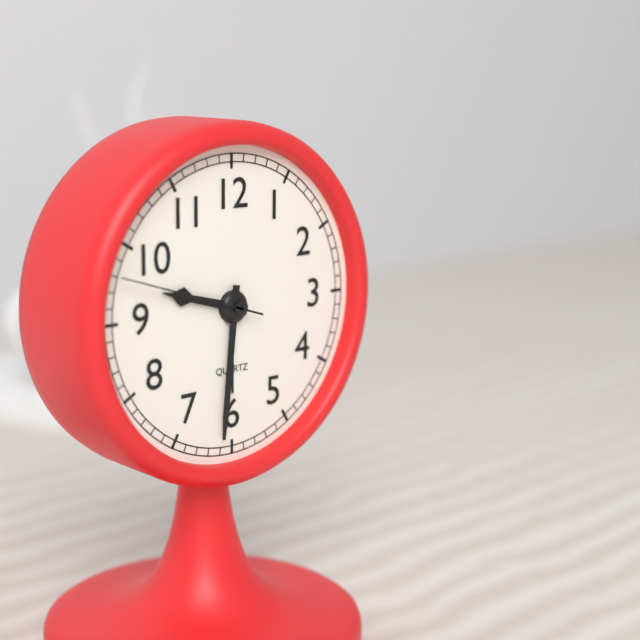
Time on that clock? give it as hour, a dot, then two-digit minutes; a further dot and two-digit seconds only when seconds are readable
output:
9.31.48
